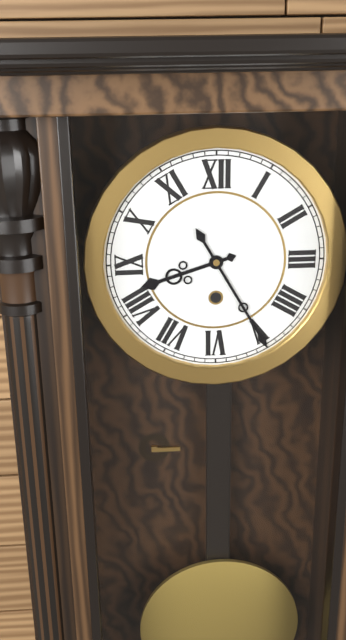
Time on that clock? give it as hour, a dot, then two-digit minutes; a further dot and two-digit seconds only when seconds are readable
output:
8.25
